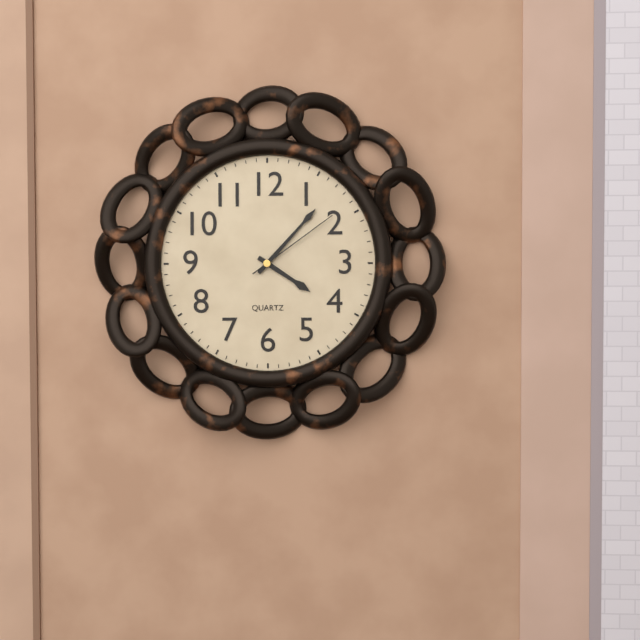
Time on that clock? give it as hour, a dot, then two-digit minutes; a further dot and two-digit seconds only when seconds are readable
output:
4.07.09
